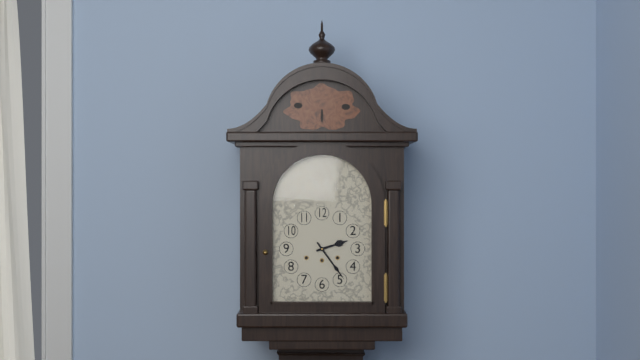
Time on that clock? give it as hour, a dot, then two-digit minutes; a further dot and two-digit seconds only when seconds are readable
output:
2.24
